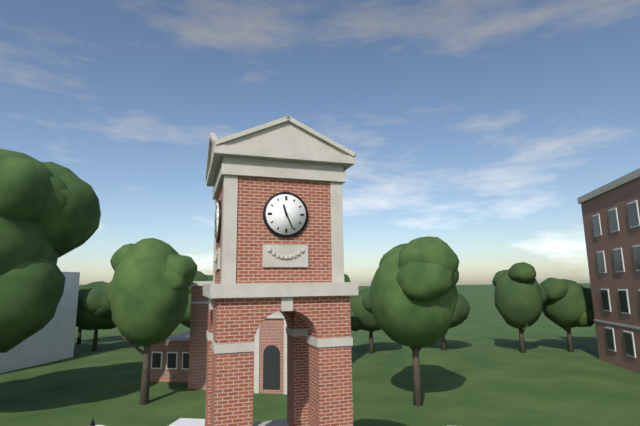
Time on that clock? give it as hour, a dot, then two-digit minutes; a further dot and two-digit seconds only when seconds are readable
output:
11.26
